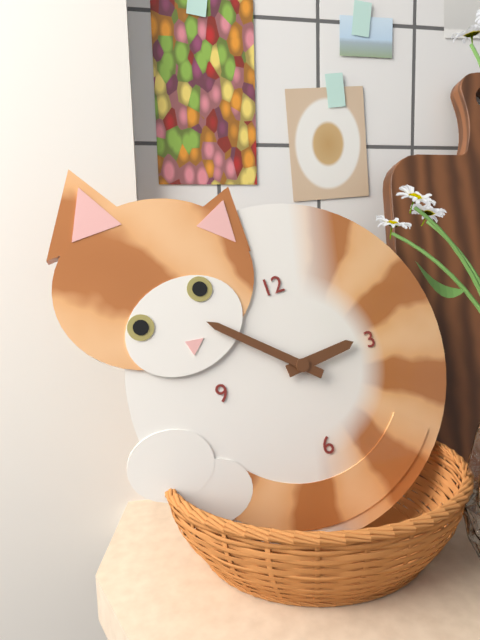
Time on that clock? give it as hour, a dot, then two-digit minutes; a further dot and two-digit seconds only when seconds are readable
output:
2.52
